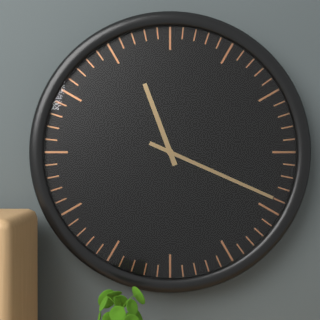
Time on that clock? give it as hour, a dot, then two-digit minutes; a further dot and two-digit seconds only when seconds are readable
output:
11.19
